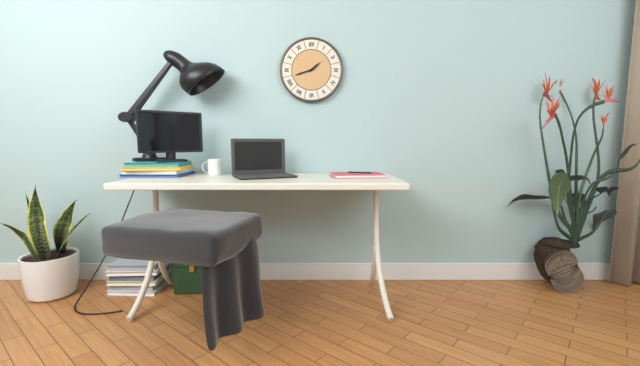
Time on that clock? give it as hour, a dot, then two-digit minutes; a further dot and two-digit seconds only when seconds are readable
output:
1.42
